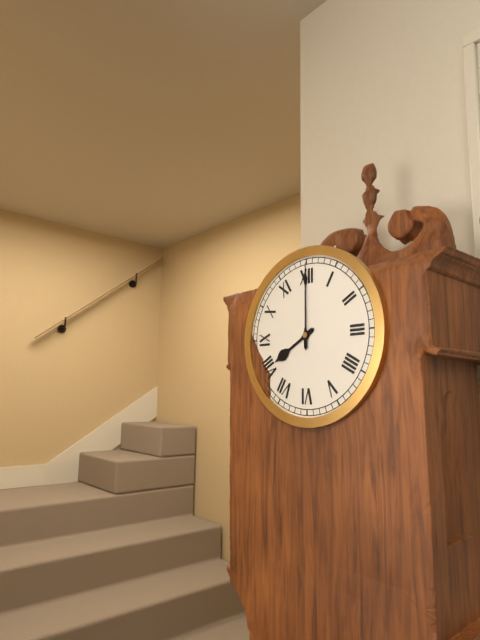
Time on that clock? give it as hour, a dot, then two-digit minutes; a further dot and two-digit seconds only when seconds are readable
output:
8.00
